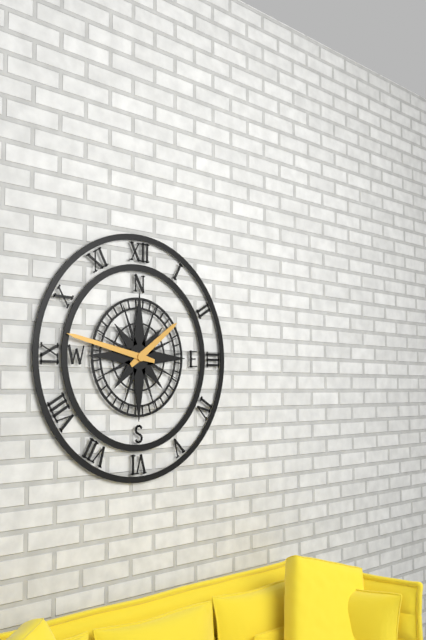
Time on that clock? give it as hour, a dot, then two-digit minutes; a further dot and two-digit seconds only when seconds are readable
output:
1.47
